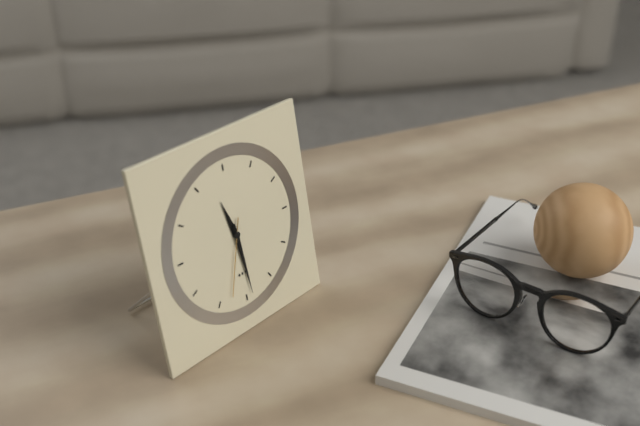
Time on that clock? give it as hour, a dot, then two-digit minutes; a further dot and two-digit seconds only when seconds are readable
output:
11.29.33
